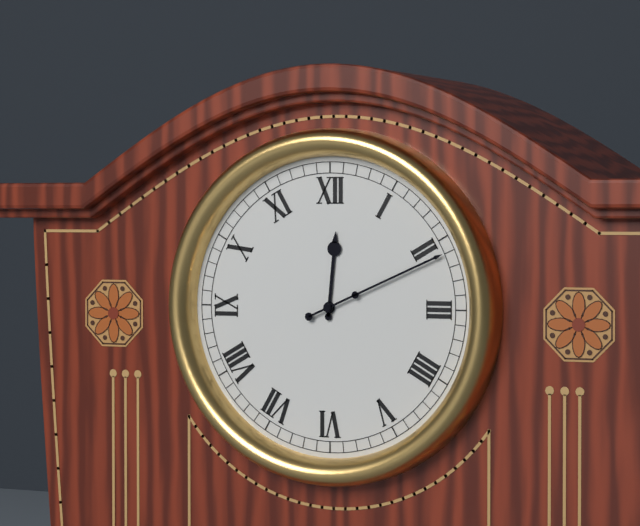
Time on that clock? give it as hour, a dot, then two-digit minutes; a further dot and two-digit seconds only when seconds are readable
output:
12.11
